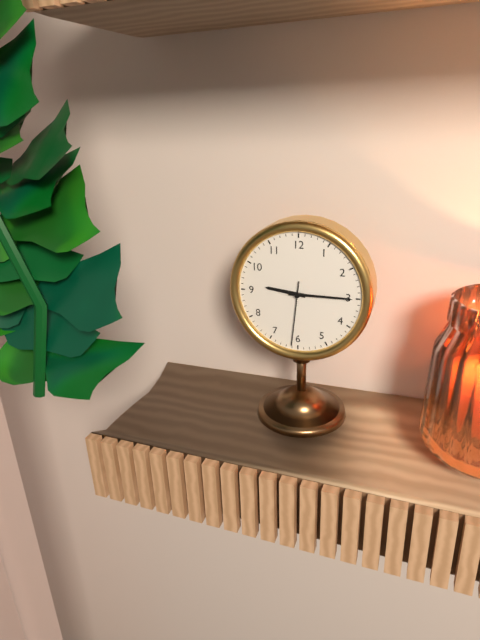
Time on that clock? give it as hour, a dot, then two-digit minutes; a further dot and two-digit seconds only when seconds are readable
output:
9.15.31
